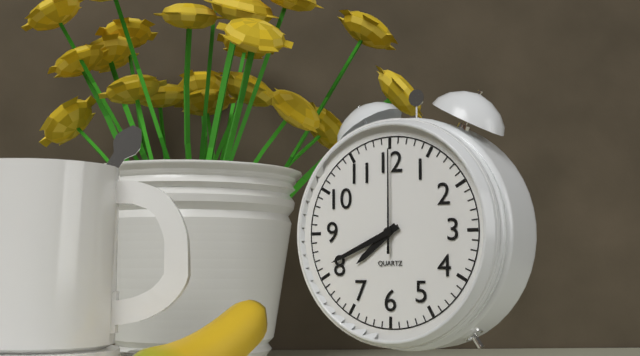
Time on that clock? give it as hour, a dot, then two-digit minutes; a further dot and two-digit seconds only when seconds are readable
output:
7.41.00
